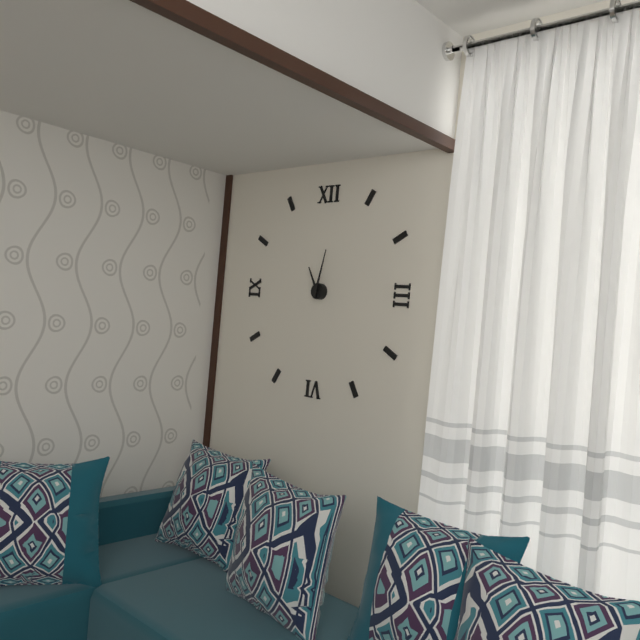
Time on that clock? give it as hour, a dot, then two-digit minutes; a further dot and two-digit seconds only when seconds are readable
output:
11.02
